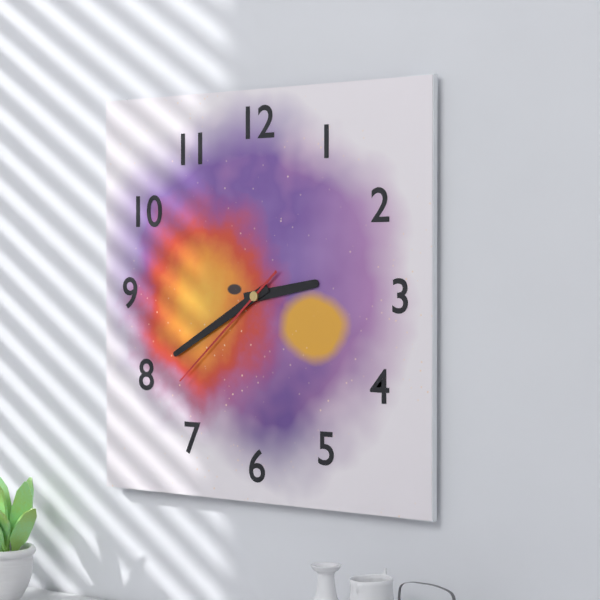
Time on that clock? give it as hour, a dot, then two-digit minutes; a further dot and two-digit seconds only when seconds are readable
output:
2.40.38
